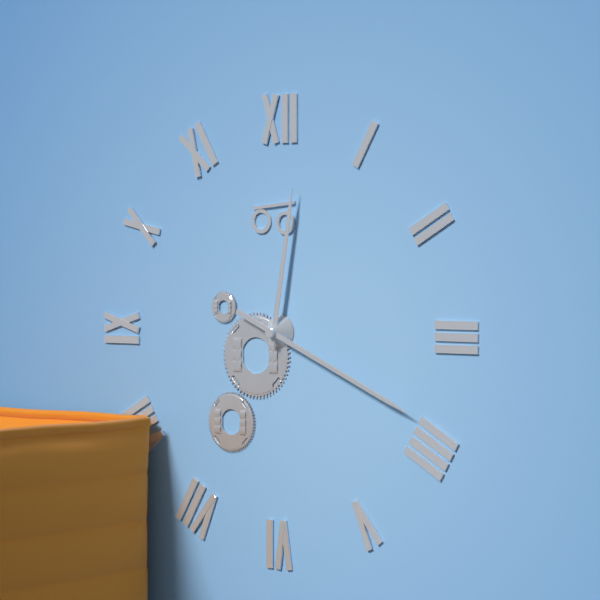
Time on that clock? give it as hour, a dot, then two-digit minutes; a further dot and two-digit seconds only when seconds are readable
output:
12.19
